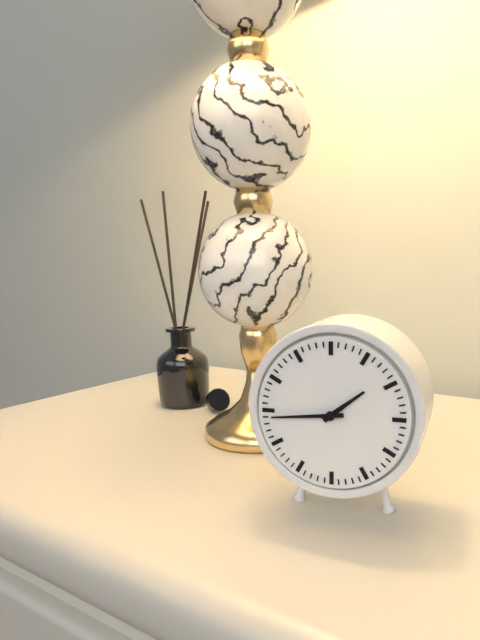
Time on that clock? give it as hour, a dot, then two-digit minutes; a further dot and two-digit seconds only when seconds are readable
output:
1.44
